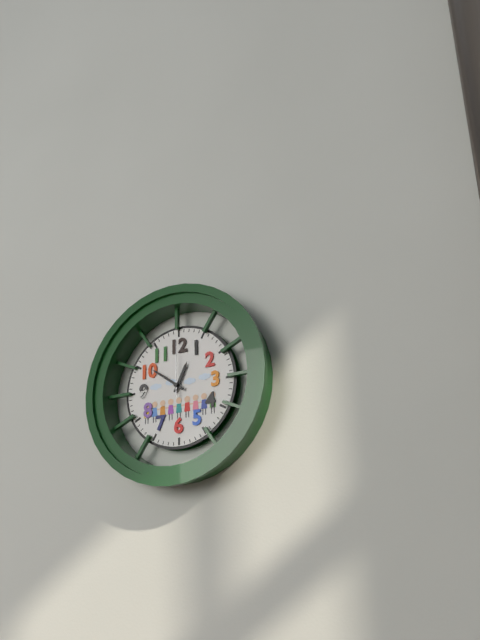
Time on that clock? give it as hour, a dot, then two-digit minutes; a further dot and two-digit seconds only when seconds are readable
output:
12.51.00
